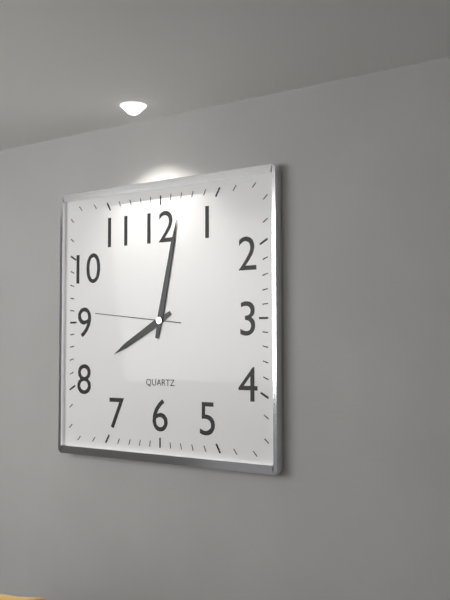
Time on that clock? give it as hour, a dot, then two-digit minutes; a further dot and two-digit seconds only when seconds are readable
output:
8.02.46
